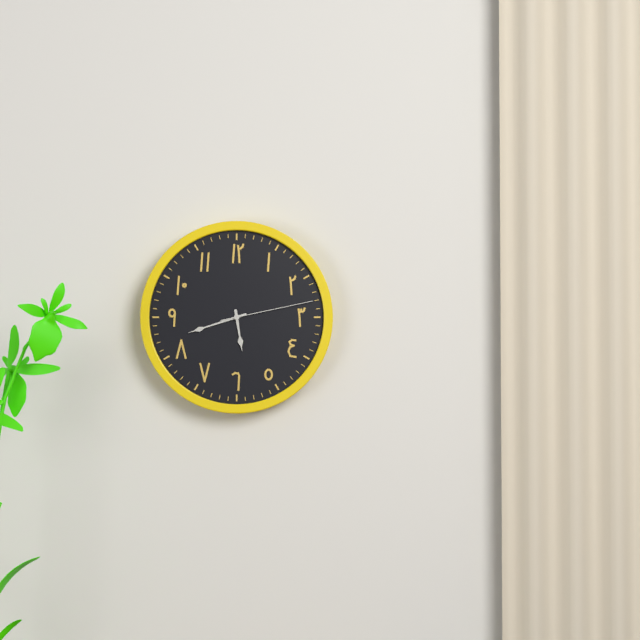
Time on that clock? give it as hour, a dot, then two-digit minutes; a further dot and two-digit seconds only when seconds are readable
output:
5.42.13
